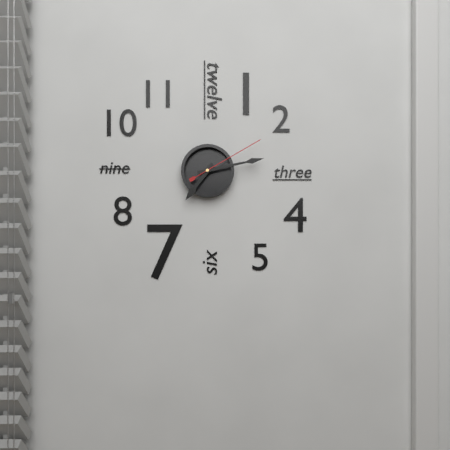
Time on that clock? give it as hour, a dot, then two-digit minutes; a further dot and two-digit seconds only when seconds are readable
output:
7.13.10
